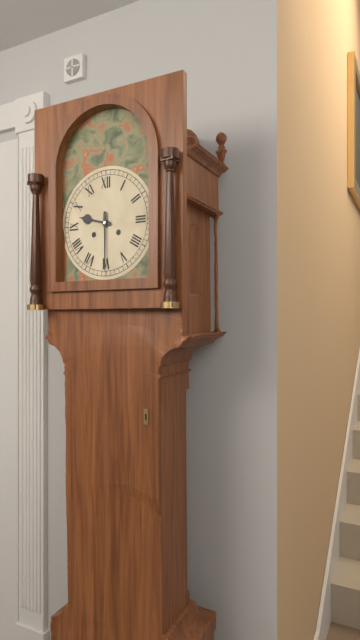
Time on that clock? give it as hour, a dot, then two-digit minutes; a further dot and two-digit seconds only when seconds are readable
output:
9.30
